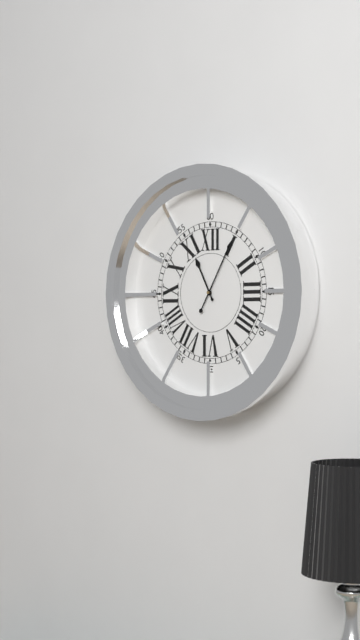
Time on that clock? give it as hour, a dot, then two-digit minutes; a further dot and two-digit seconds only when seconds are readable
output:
11.05
